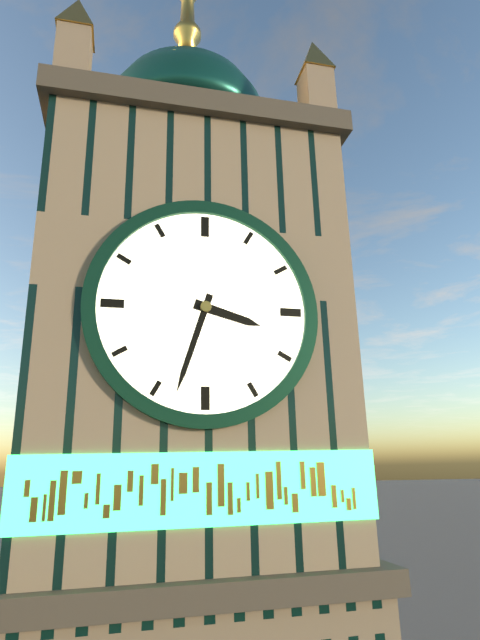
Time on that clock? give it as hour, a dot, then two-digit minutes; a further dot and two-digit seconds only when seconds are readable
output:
3.33
